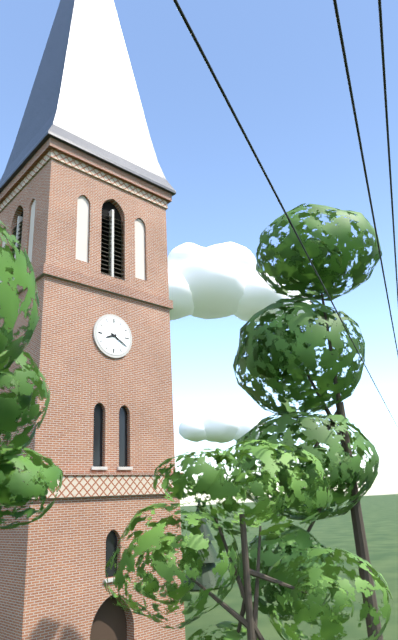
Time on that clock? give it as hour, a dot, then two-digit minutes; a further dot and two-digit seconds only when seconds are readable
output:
8.20
